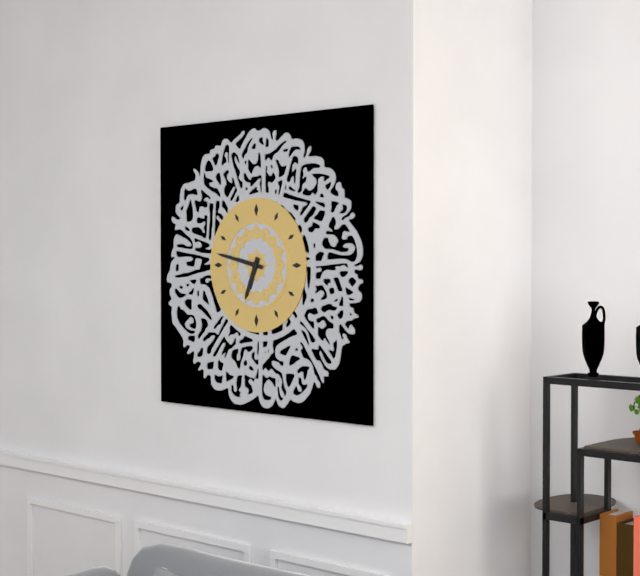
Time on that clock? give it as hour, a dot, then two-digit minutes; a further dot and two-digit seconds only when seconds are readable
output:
6.47
